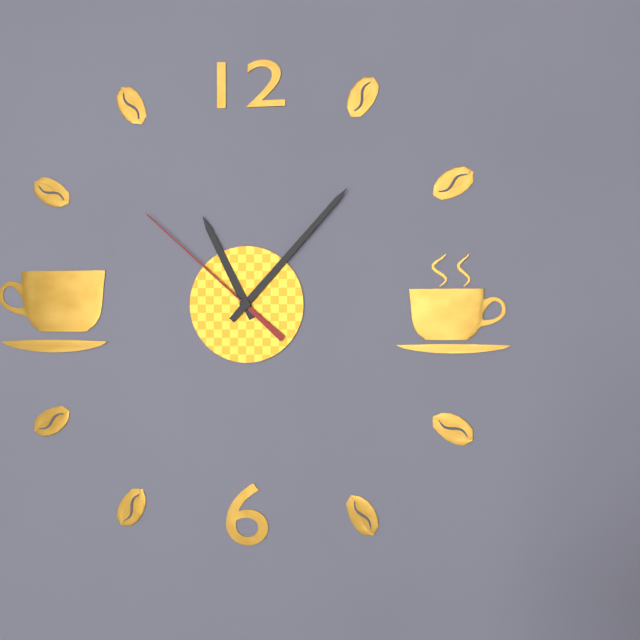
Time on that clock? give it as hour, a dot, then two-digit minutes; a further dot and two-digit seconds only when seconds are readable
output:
11.07.52
